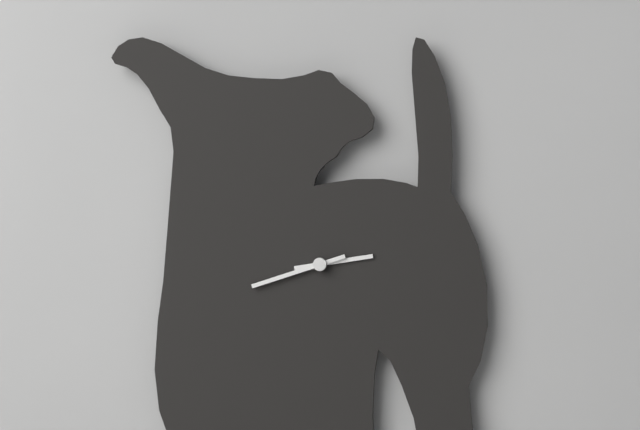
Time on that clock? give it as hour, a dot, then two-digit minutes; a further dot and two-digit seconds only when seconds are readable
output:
2.42
